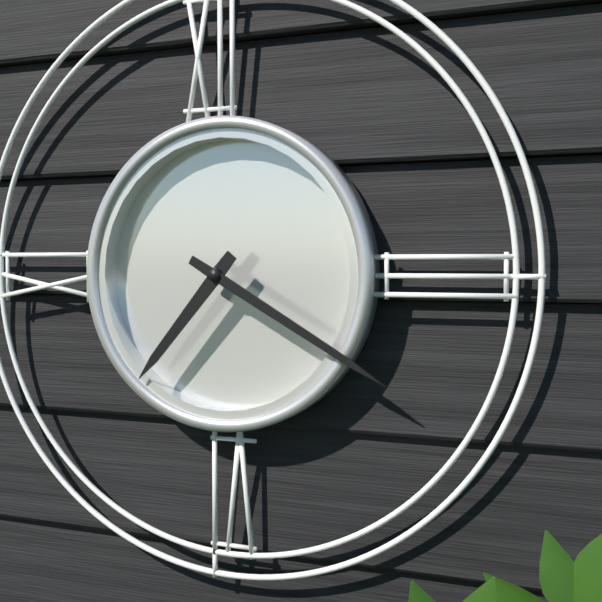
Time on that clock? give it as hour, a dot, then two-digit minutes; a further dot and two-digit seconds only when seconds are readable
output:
7.20
